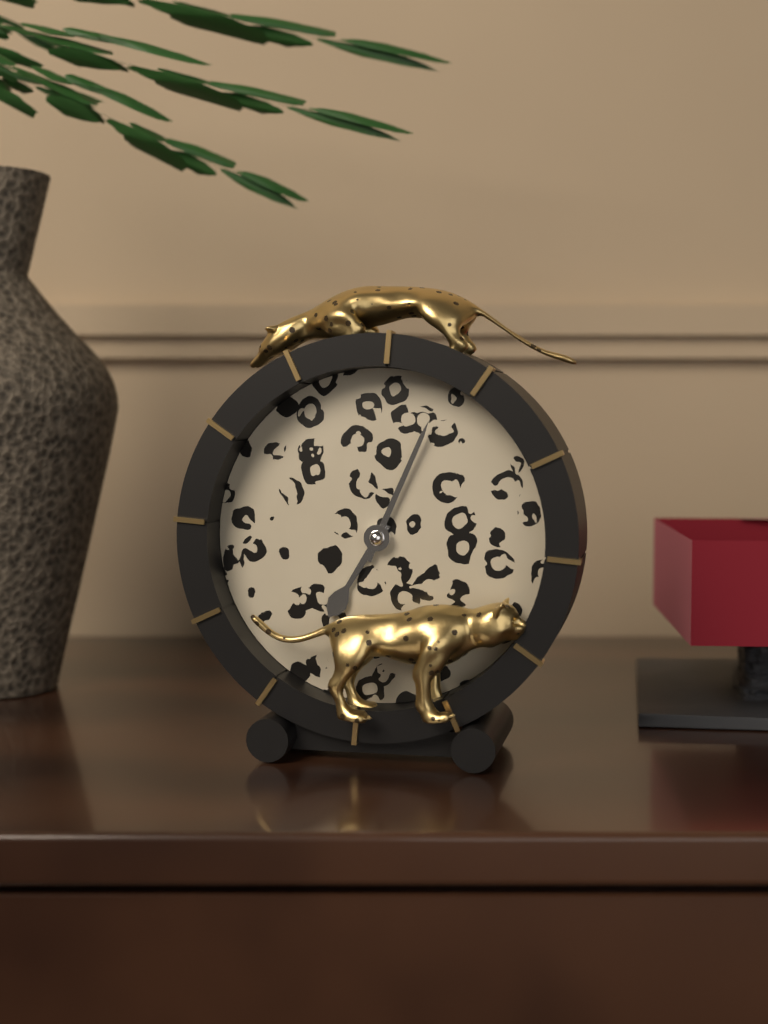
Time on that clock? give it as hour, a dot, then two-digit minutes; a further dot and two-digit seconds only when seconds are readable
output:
7.04
